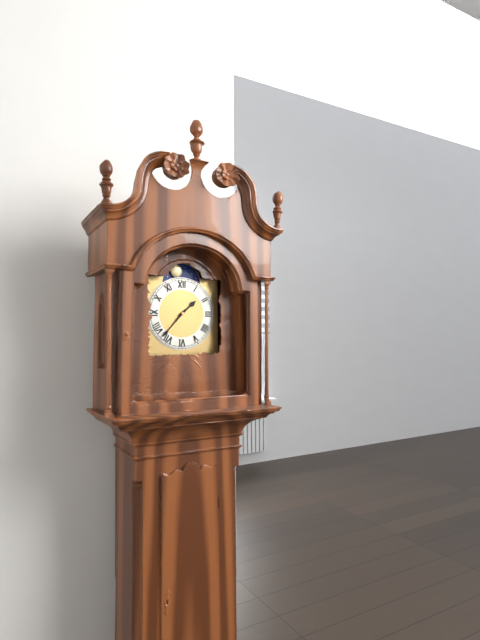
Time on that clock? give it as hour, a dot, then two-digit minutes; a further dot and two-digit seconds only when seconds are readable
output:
1.37
